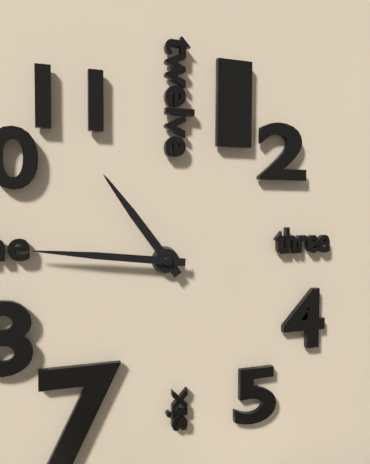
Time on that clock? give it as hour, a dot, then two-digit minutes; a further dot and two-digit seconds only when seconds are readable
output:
10.46
